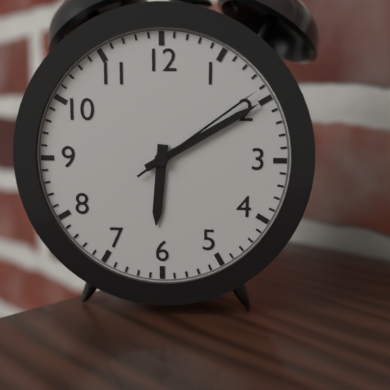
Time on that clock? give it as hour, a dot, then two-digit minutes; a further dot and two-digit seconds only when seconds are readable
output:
6.10.09
